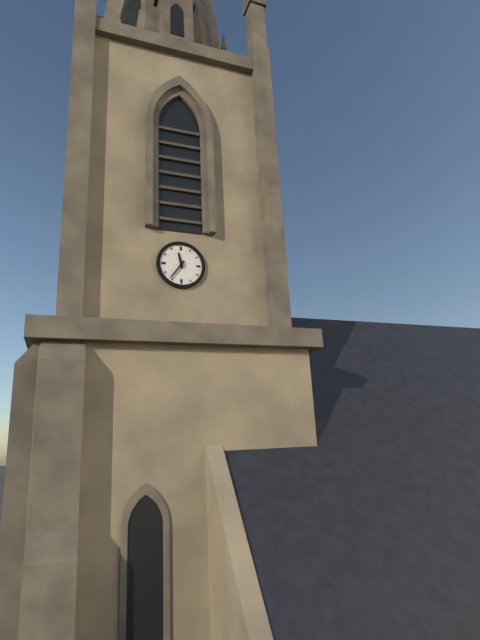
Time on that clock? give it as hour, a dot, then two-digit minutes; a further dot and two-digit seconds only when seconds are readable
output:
11.36
